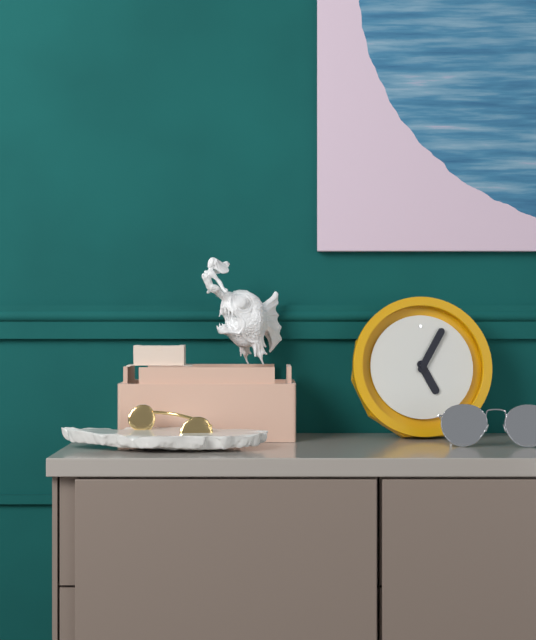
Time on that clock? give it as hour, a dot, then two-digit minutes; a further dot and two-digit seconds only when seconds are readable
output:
5.05
